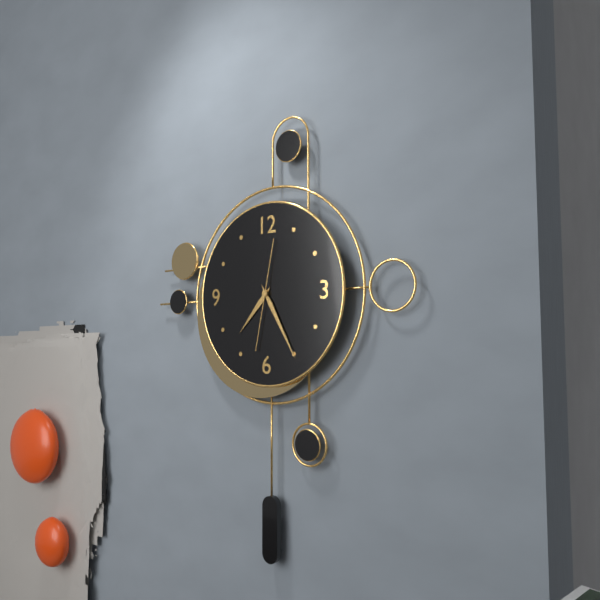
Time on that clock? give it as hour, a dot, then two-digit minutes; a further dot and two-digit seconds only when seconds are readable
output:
7.25.32
